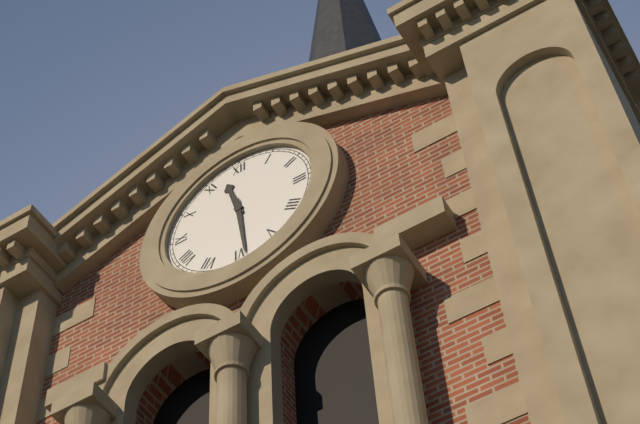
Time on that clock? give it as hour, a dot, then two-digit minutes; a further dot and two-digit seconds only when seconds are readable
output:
11.29
